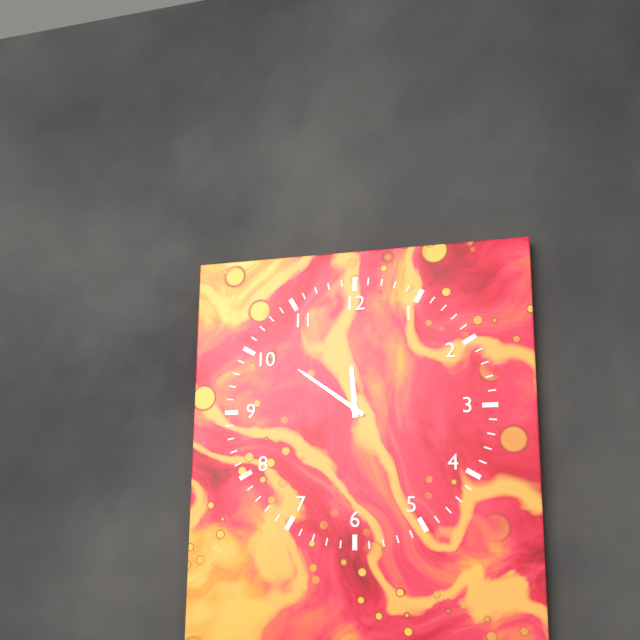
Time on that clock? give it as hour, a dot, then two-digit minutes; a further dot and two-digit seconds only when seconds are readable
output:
11.51
